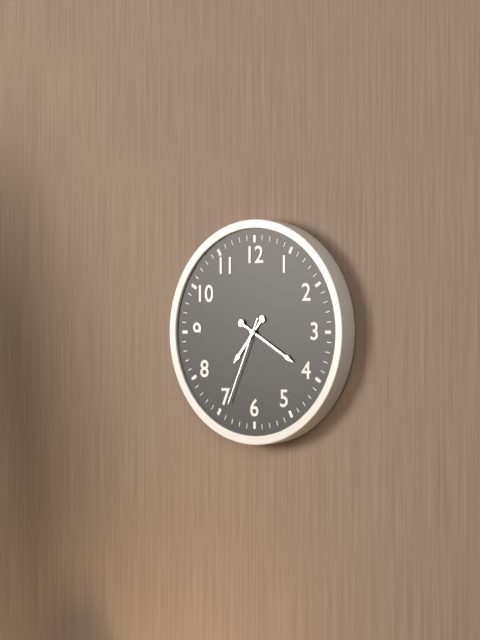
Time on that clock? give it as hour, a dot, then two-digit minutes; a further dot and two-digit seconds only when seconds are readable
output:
7.20.34
